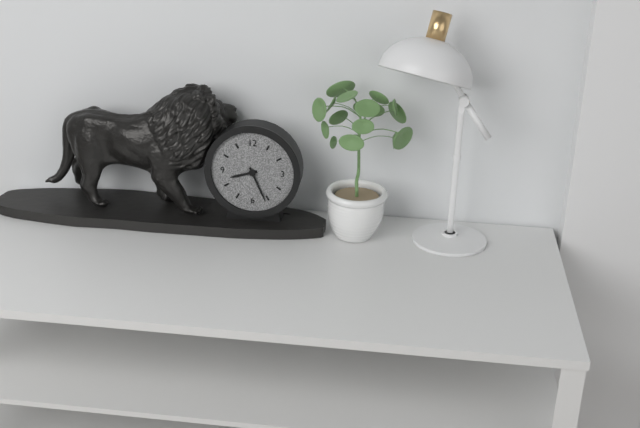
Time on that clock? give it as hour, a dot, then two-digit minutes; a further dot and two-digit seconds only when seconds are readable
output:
8.26
